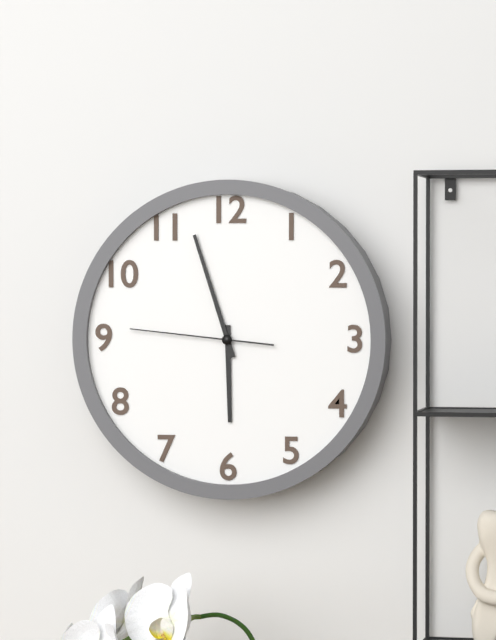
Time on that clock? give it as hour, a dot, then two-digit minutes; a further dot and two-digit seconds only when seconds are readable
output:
5.57.46
